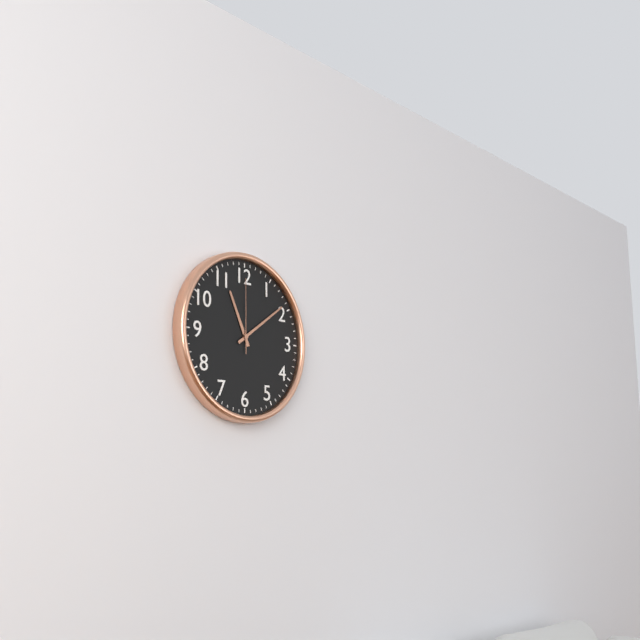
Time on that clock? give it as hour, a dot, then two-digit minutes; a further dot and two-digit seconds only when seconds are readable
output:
11.09.00
